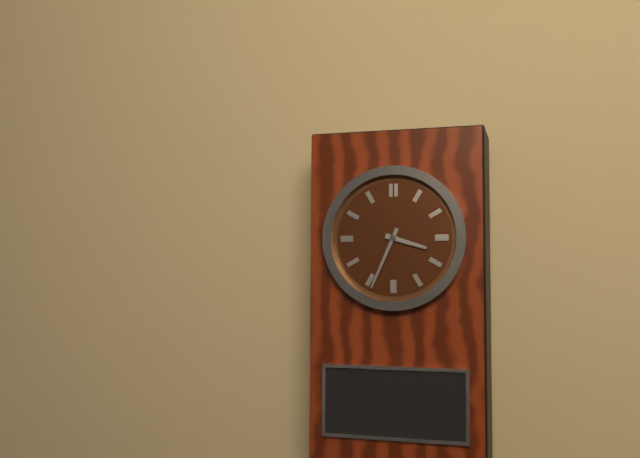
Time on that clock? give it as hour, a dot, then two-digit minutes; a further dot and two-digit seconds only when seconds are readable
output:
3.34
